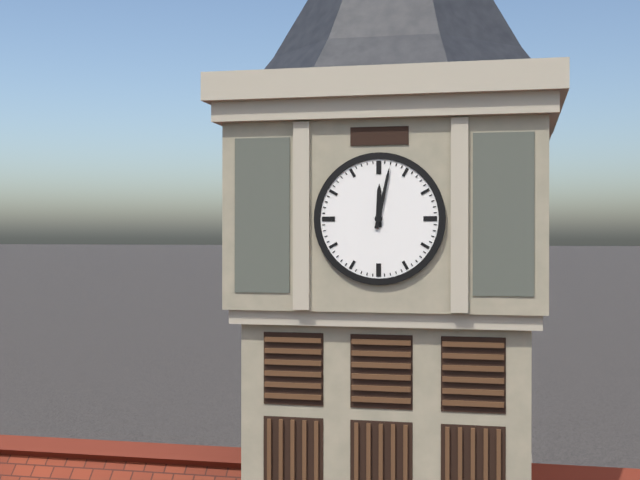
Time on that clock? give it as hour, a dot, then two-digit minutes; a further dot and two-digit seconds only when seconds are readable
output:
12.02
